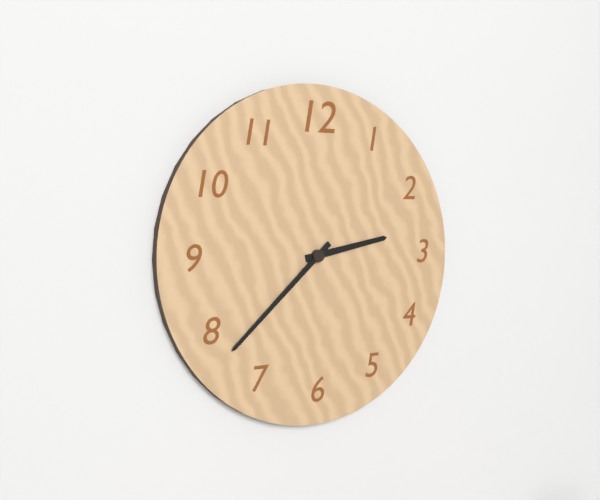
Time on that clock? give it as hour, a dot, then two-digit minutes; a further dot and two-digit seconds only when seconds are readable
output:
2.38
